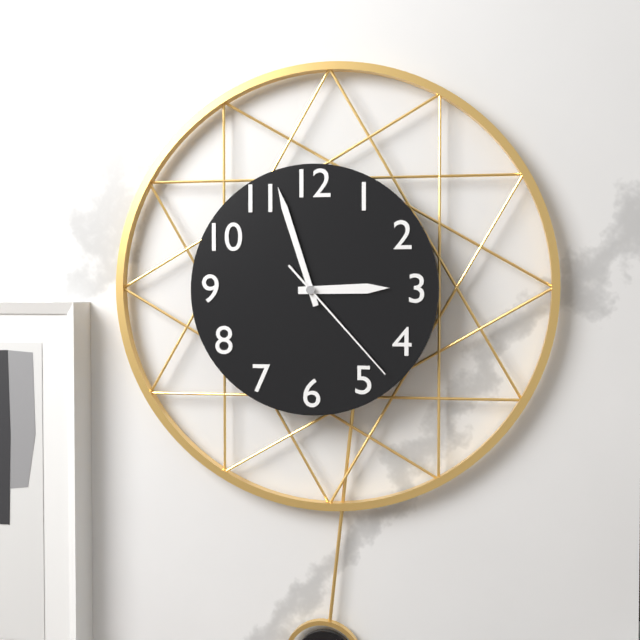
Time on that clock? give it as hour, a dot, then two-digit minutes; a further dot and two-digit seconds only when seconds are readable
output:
2.57.23
